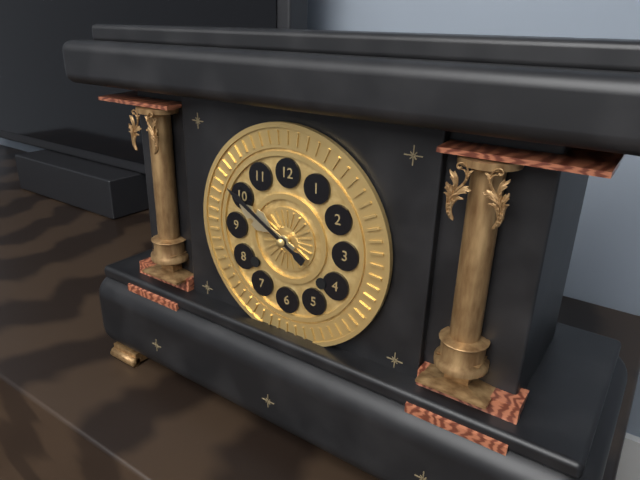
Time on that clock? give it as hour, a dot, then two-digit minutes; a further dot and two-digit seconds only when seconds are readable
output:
9.50
